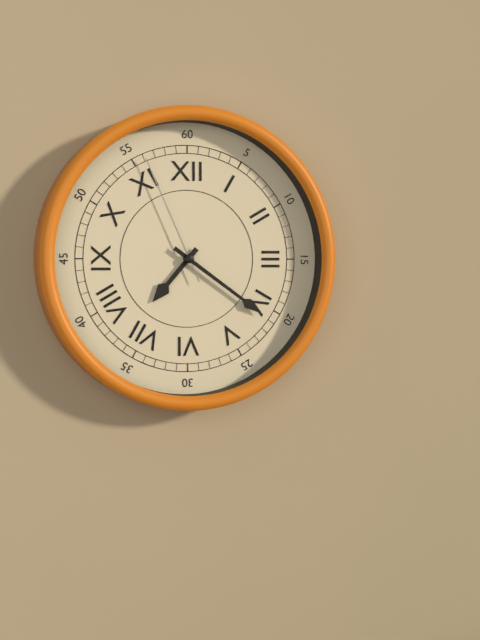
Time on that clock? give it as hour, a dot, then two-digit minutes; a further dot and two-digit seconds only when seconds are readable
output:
7.21.56
